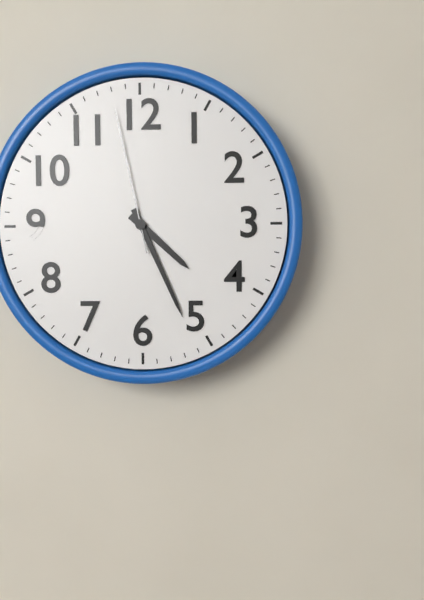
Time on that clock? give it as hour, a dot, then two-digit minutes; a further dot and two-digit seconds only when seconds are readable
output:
4.26.58
